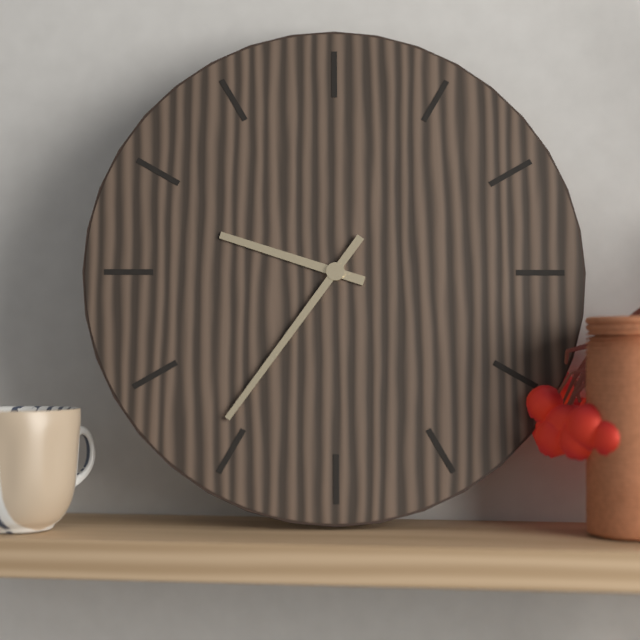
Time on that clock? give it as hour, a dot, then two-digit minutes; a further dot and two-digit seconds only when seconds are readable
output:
9.36
